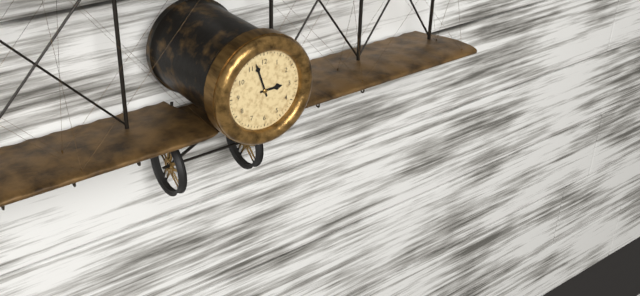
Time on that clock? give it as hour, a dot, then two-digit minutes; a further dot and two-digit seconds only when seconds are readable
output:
2.57
